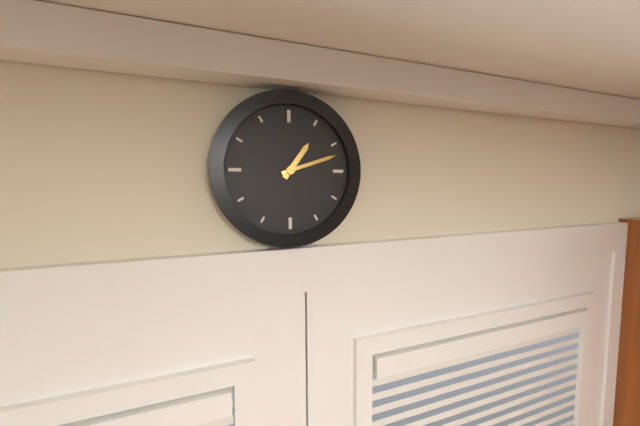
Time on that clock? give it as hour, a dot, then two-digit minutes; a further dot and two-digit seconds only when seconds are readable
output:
1.12
